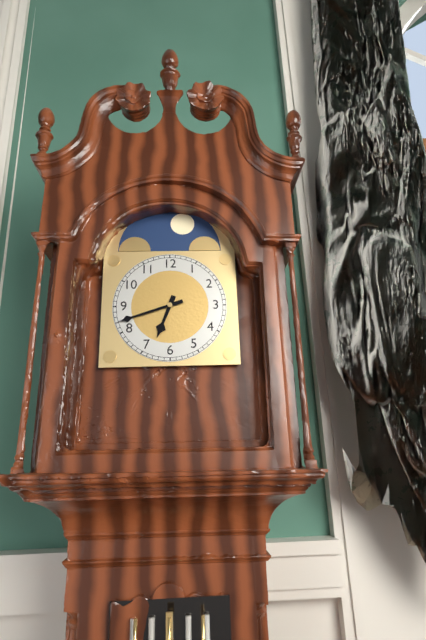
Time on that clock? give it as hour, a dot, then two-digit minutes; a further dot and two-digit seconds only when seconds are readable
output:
6.42
